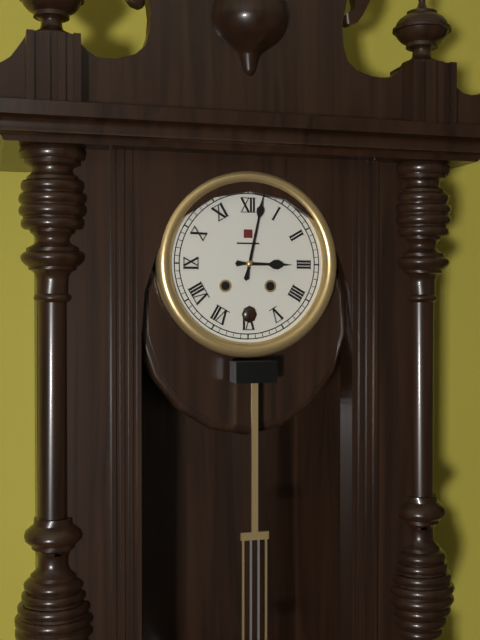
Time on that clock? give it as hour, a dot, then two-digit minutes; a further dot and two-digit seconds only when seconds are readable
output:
3.02
